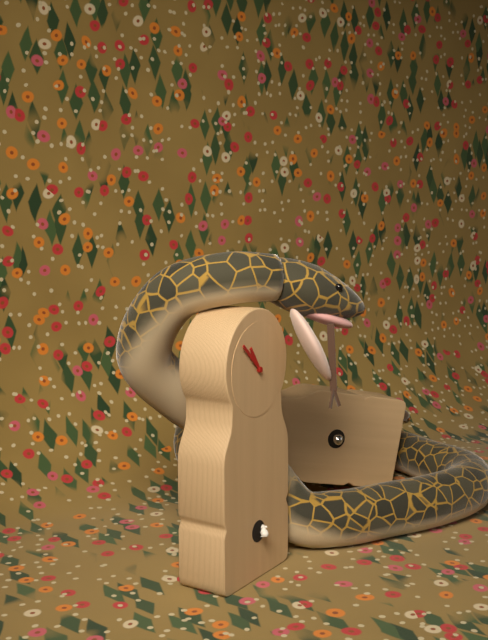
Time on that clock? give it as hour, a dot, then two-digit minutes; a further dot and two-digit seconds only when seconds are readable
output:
10.52
